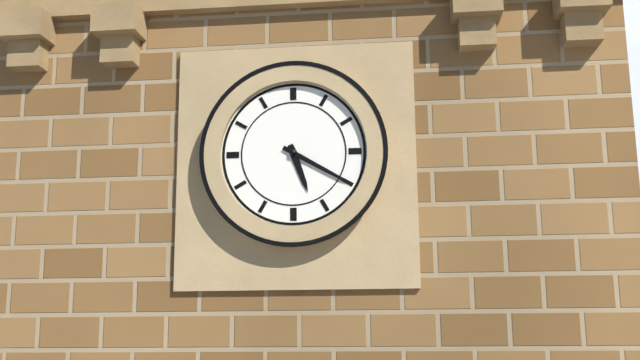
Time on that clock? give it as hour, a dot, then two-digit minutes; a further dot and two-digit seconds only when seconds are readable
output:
5.20
